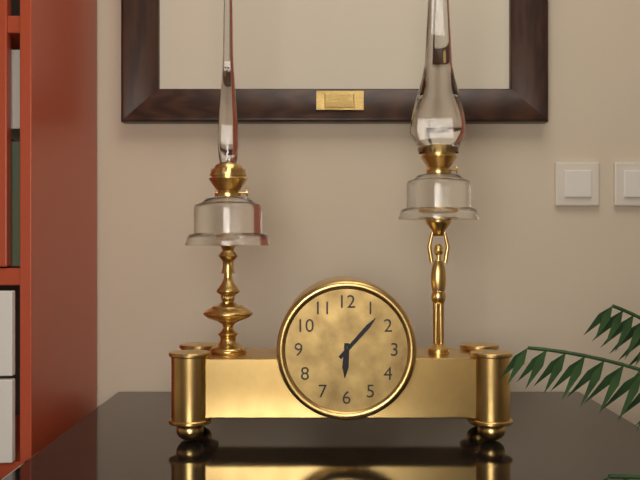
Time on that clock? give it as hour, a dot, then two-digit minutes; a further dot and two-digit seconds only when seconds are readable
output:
6.07
